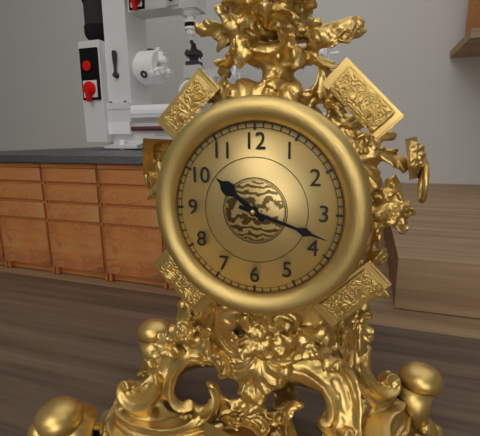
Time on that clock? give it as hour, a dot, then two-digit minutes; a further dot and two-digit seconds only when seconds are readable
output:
10.18
